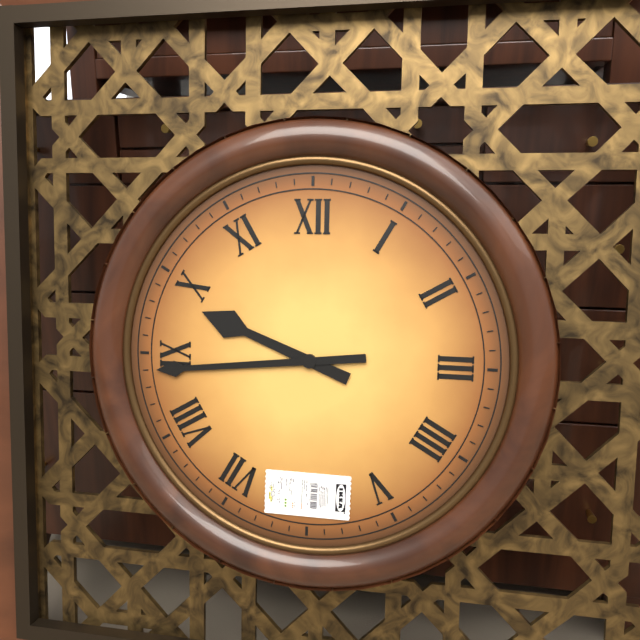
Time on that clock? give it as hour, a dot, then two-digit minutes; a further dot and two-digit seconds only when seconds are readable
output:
9.44
